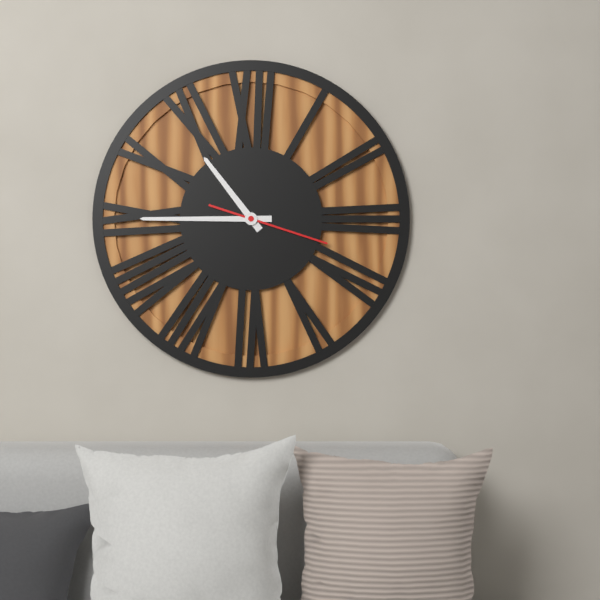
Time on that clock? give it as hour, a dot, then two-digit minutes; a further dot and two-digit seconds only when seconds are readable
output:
10.45.18
